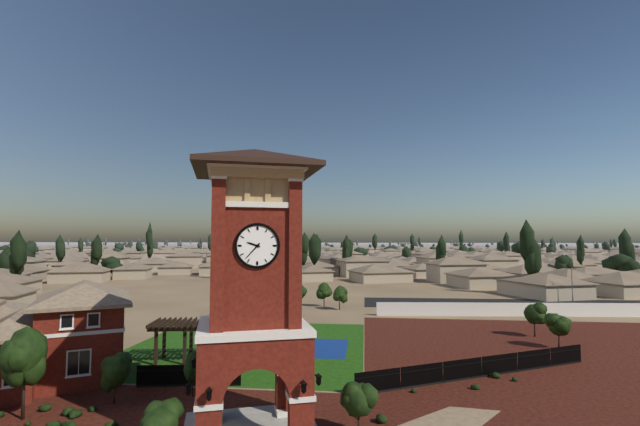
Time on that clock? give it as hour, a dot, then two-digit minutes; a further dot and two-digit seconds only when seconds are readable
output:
9.37
